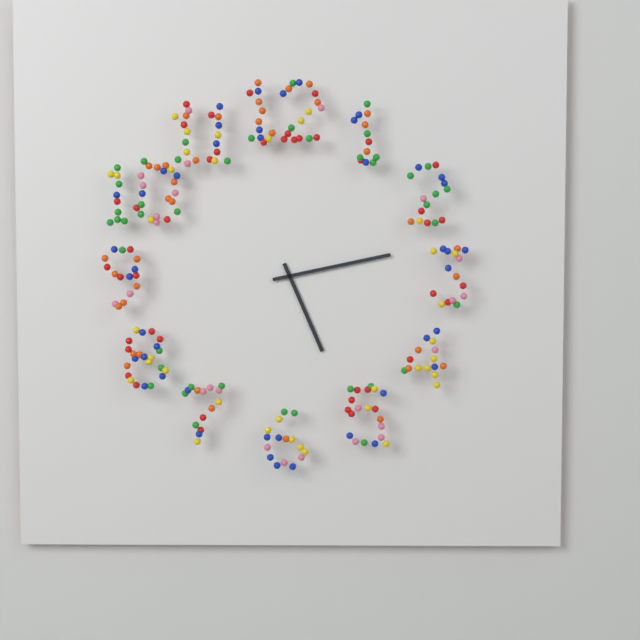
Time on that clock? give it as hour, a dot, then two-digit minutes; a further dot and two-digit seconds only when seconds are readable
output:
5.13
